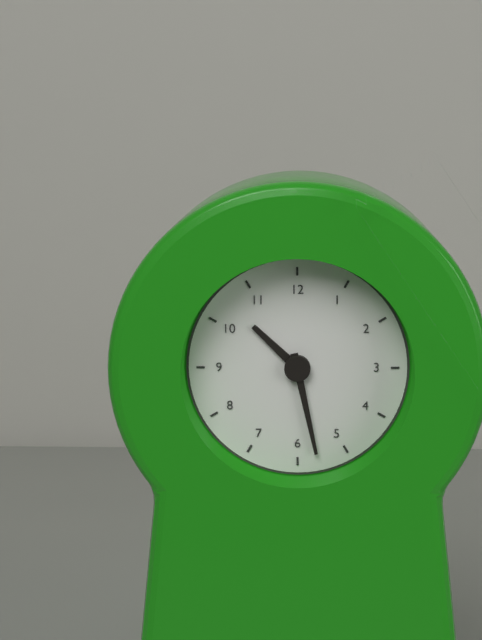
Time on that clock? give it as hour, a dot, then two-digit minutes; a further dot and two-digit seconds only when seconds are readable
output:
10.28
